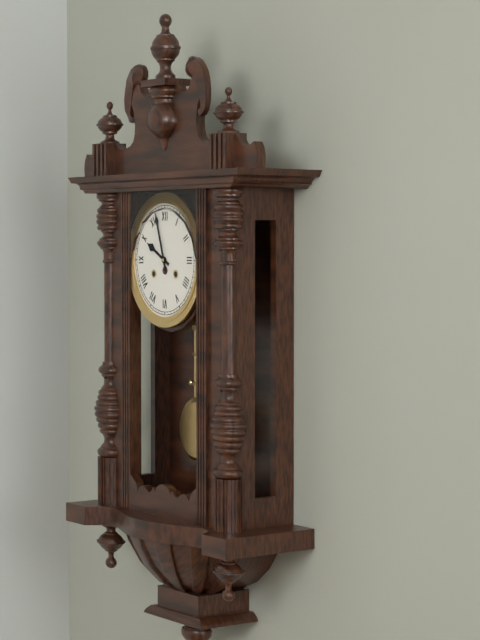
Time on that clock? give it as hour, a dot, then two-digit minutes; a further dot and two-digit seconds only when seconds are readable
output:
9.57
